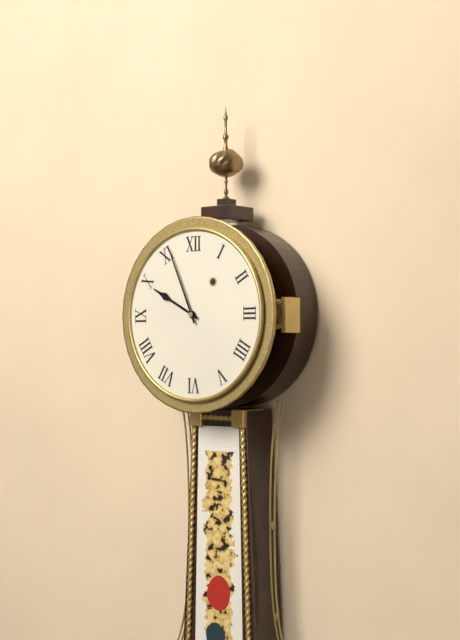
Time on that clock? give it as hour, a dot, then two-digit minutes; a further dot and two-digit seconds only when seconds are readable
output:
9.56
